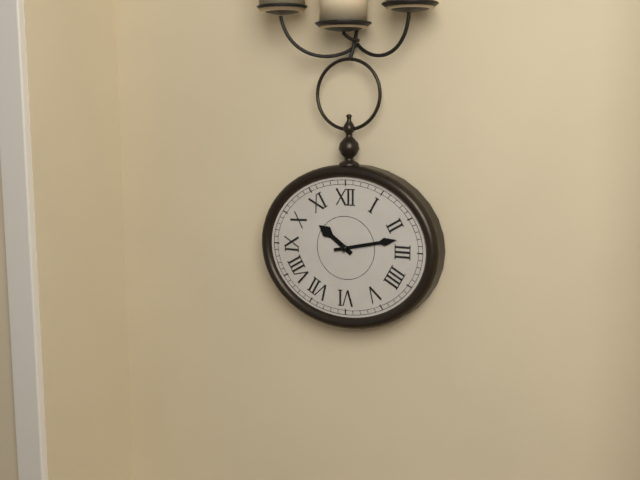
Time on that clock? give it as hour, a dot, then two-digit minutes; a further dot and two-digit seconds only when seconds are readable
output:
10.13
